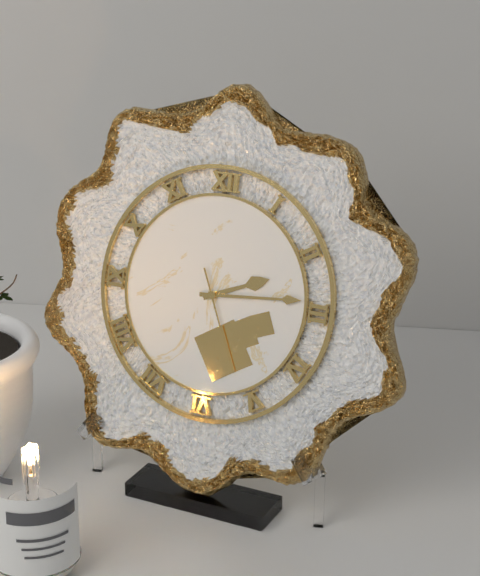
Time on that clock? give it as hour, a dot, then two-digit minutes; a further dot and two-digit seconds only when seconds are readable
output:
2.14.26
